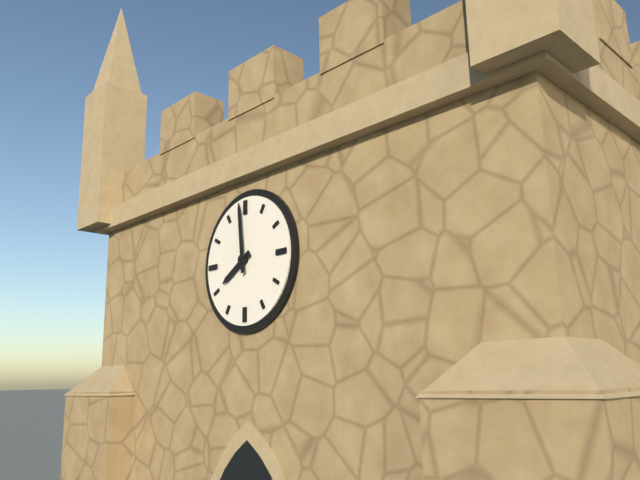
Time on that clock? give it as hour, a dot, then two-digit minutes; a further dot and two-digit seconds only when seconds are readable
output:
7.59
